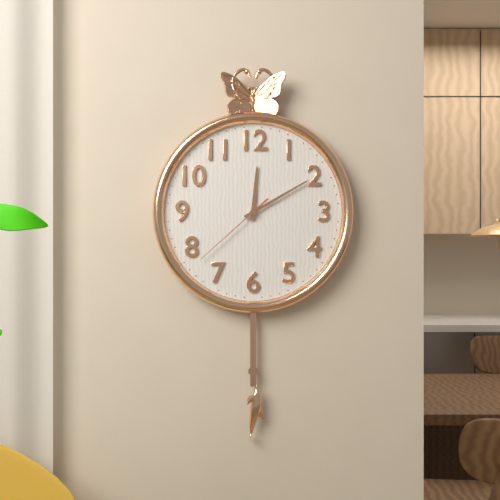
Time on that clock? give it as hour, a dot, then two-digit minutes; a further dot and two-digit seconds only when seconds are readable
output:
12.10.38
